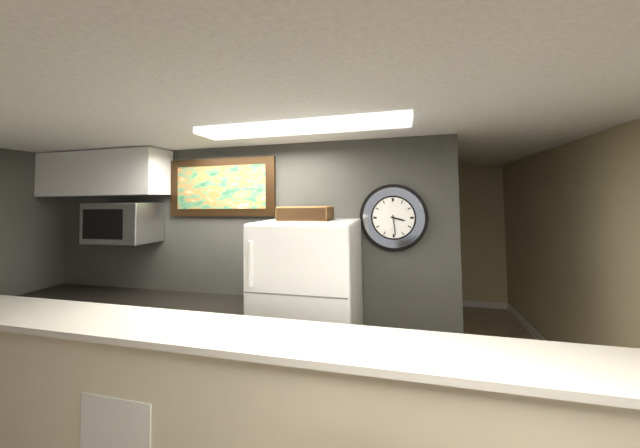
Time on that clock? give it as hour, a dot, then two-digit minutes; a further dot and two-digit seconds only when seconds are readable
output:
3.29
